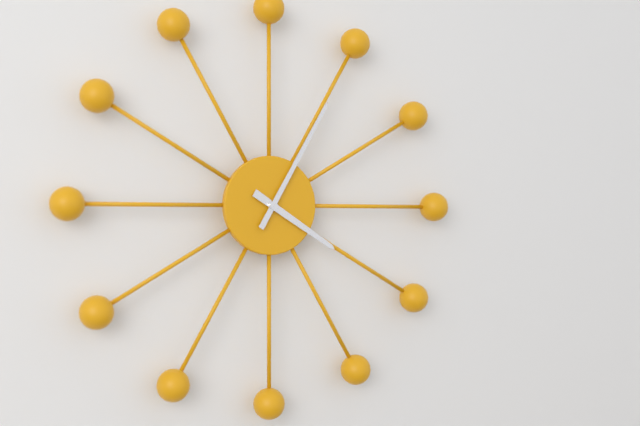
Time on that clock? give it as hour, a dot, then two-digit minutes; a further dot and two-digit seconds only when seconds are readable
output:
4.05
